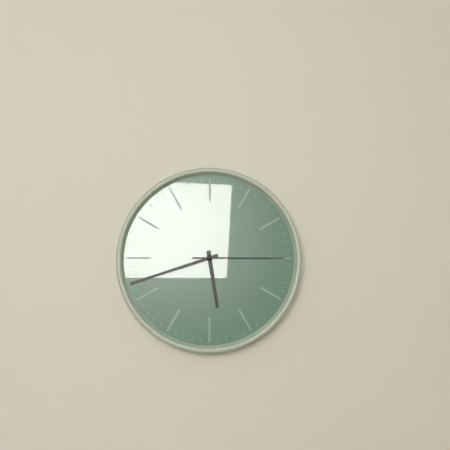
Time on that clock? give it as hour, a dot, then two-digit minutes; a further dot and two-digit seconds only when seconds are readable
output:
5.42.15
